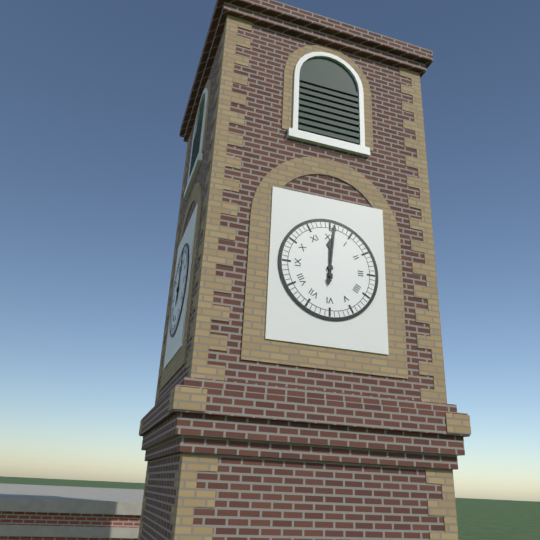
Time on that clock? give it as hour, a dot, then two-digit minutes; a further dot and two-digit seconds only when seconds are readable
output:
12.01
